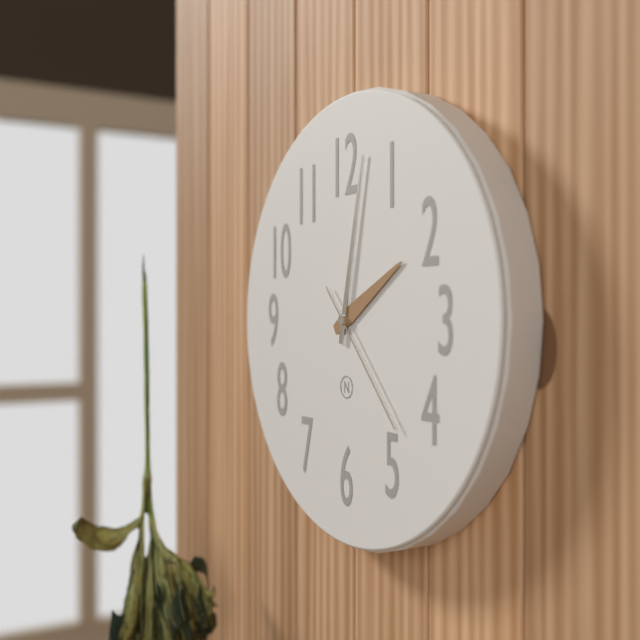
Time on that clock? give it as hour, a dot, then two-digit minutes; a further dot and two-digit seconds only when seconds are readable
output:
2.02.23
